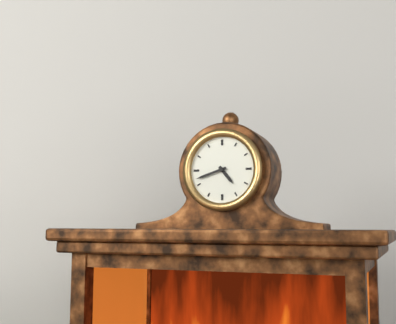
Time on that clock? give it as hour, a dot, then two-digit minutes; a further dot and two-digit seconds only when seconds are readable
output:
4.42
